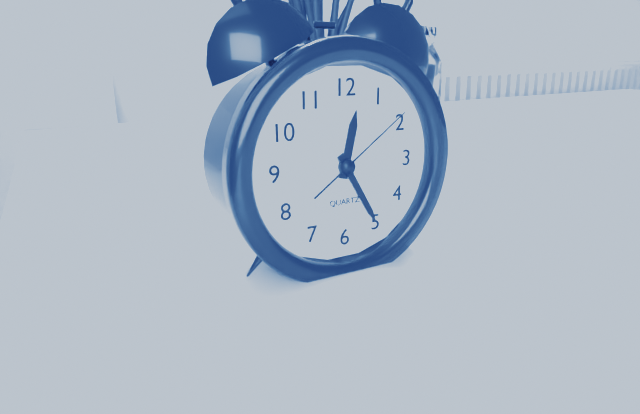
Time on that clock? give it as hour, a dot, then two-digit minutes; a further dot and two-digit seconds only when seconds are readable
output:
12.25.09
